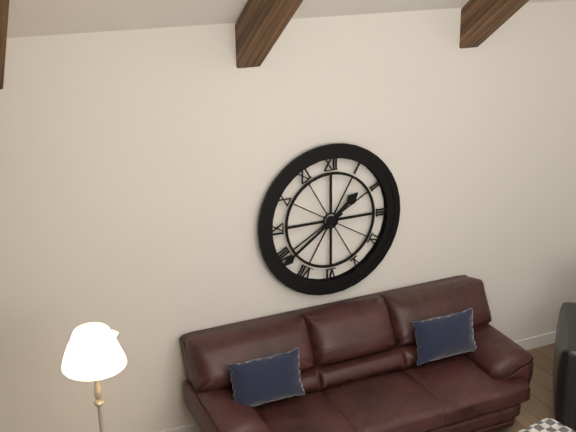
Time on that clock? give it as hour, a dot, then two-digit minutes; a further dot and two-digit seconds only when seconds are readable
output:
1.39
